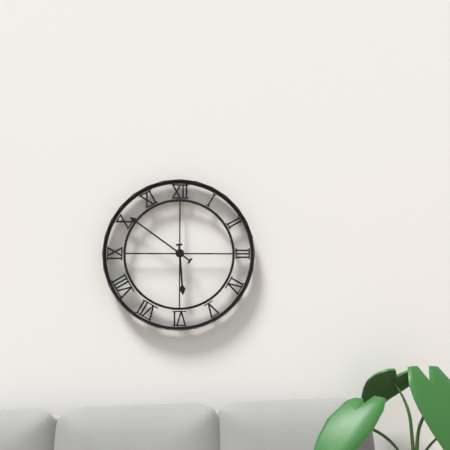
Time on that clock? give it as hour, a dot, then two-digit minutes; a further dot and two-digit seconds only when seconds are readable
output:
5.51
